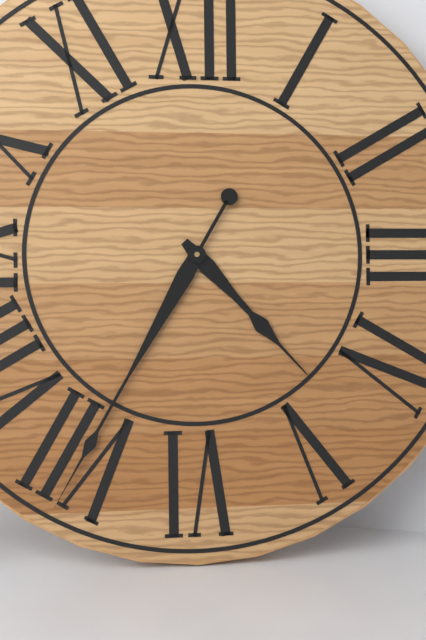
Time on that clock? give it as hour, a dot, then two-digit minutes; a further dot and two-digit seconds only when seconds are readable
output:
4.35
